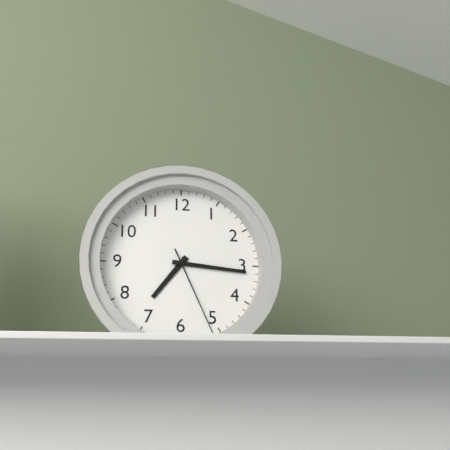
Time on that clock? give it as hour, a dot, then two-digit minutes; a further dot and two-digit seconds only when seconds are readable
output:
7.16.26
